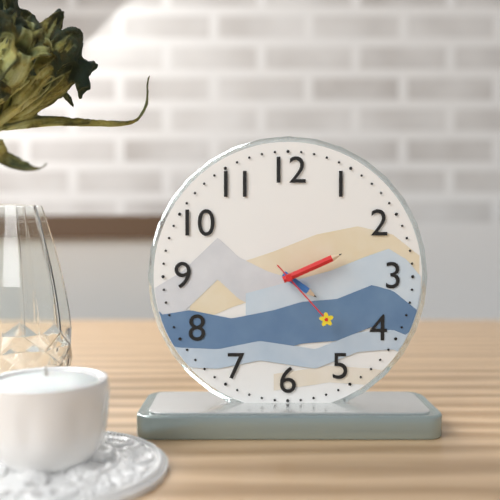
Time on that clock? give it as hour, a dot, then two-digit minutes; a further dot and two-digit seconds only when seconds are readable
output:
4.11.23
